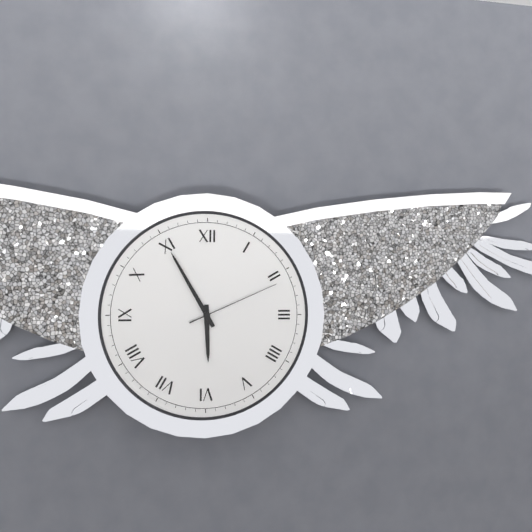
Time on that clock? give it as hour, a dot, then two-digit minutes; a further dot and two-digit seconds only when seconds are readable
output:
5.55.11
